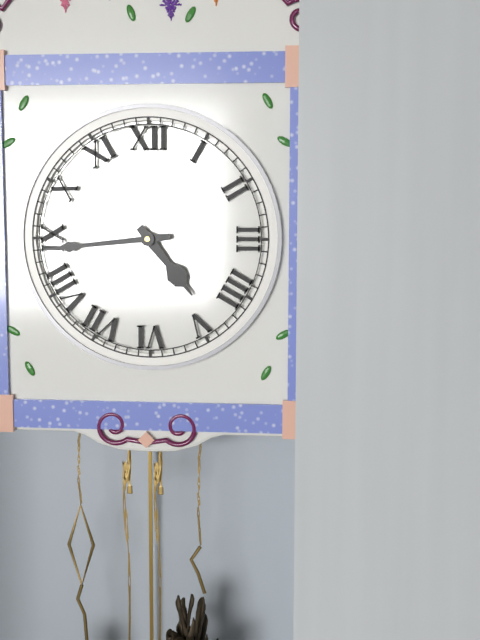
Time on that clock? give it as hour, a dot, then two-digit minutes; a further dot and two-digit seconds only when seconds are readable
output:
4.44
